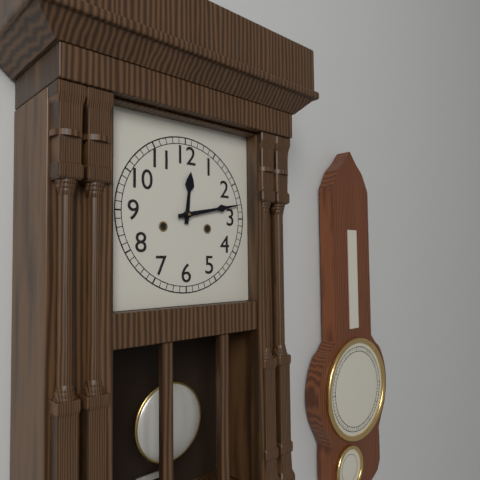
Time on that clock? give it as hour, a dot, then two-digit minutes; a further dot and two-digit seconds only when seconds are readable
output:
12.13
